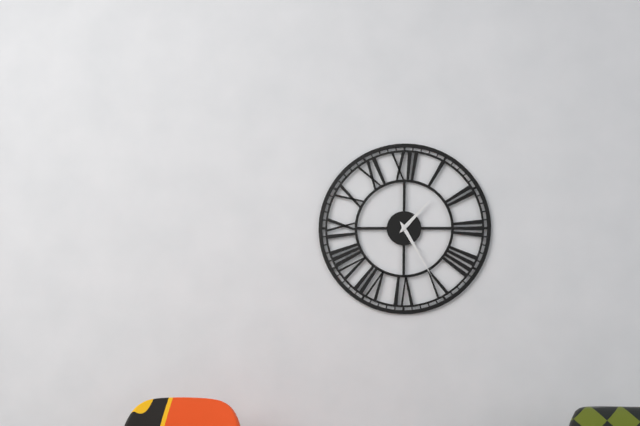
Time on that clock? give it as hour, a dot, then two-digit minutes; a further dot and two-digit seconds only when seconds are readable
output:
1.25
